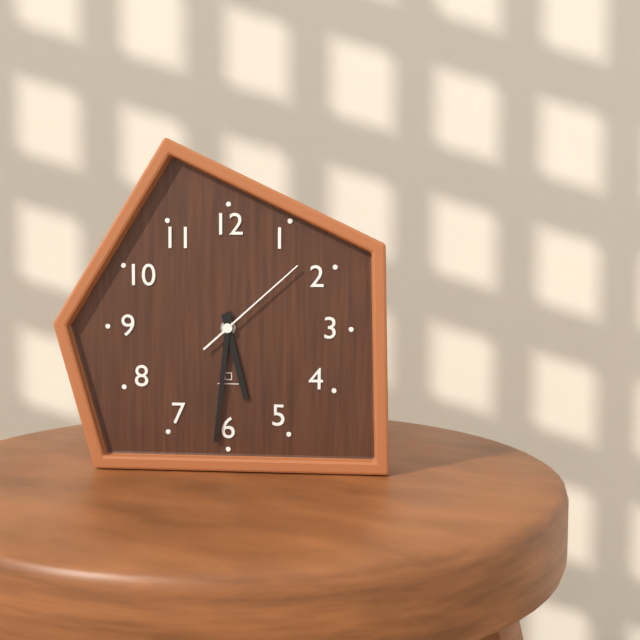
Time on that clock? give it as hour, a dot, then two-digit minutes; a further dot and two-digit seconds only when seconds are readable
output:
5.31.08
